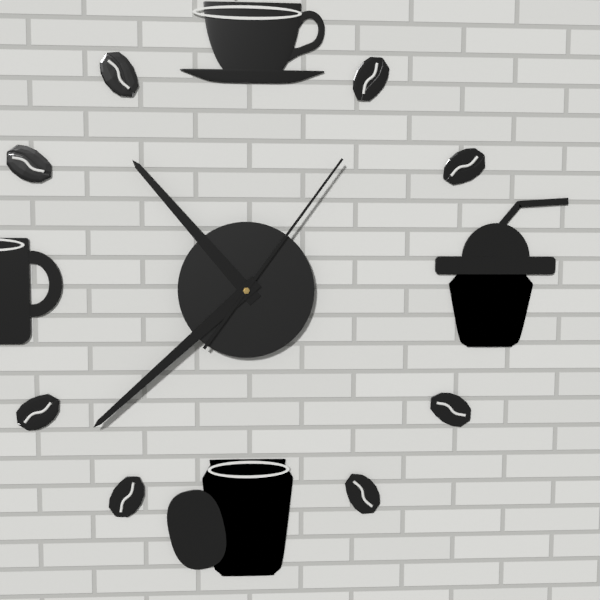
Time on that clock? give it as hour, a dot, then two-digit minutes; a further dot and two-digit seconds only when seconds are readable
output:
10.38.06
